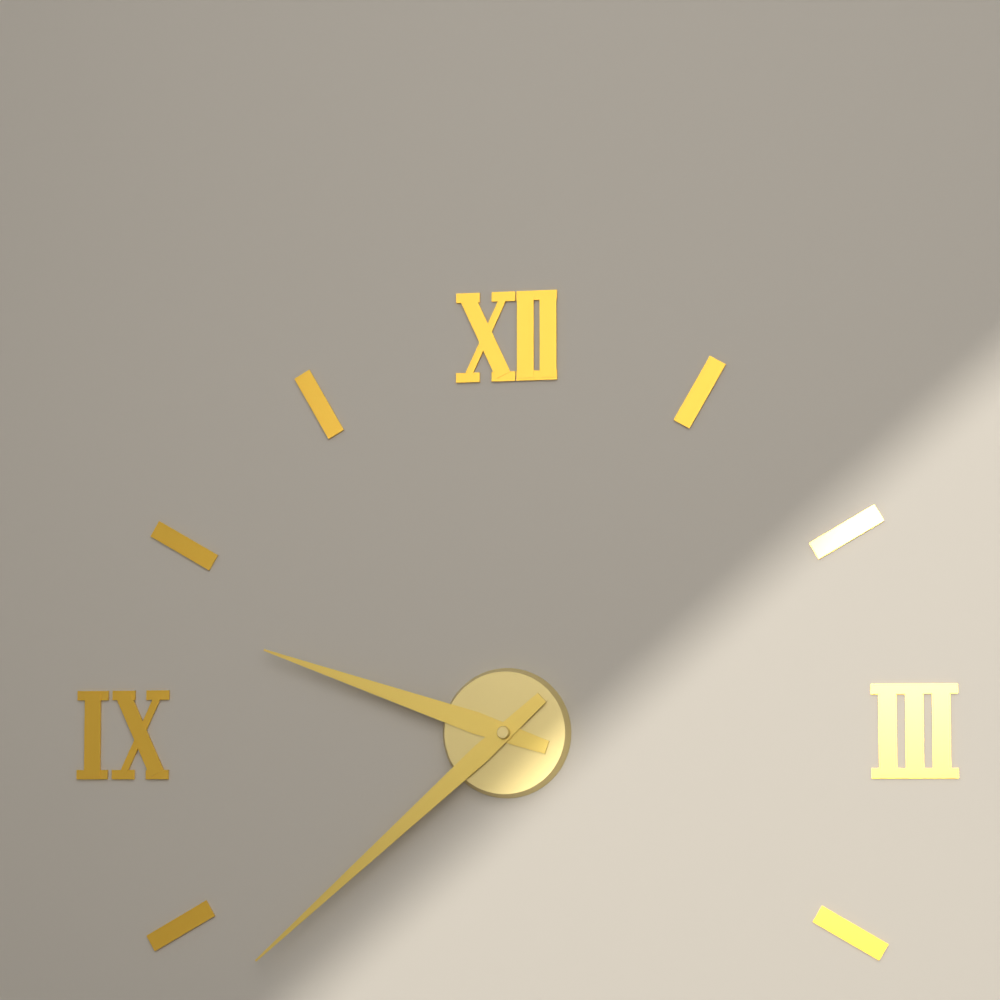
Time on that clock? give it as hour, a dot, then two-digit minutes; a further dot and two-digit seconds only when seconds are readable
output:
9.38
